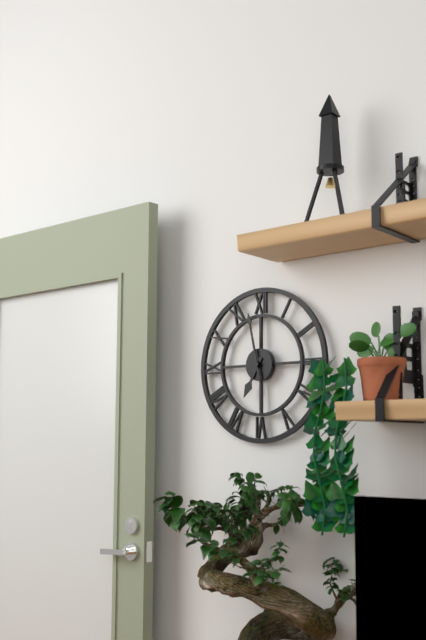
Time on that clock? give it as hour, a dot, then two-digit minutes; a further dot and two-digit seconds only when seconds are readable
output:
6.58
